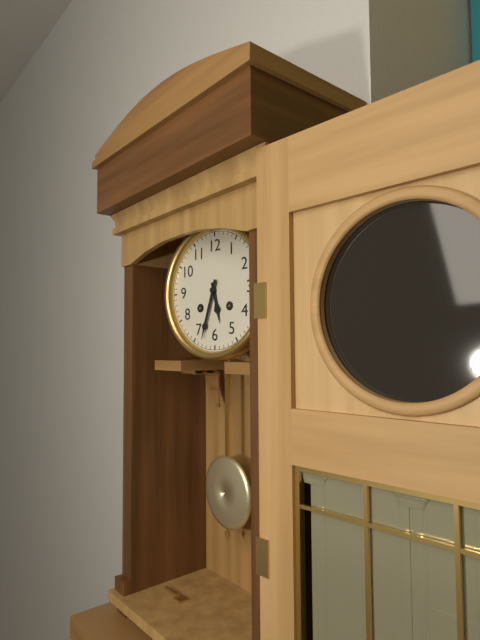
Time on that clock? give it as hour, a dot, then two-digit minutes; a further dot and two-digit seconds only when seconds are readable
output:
5.33
